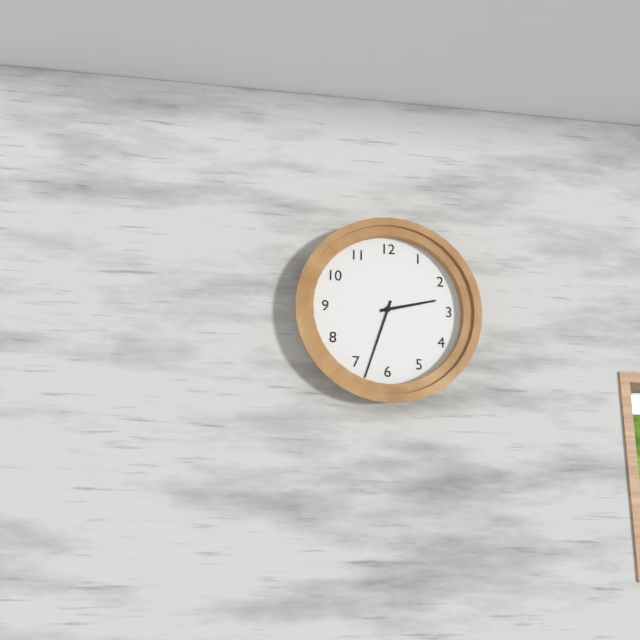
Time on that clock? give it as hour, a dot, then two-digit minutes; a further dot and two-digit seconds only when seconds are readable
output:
2.33
